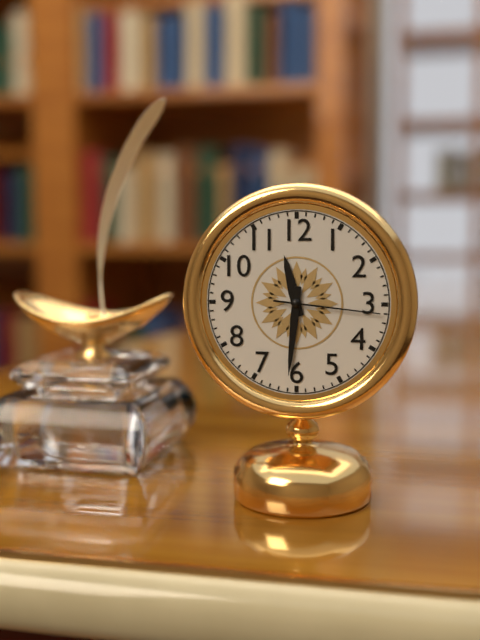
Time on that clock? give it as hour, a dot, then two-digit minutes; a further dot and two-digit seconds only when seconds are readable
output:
11.31.16
